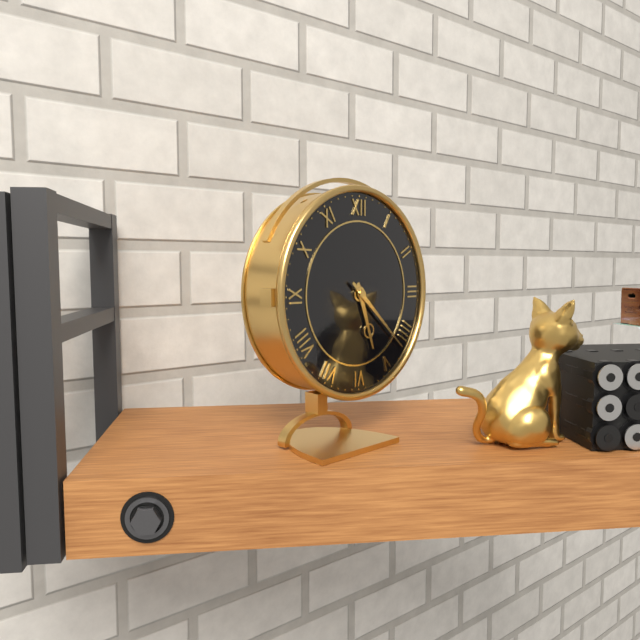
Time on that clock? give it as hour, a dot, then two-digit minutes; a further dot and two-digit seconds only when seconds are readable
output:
5.22
